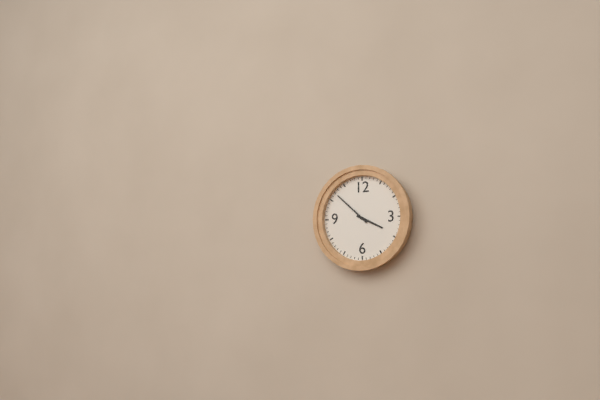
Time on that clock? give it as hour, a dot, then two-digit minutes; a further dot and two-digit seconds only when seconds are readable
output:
3.52
